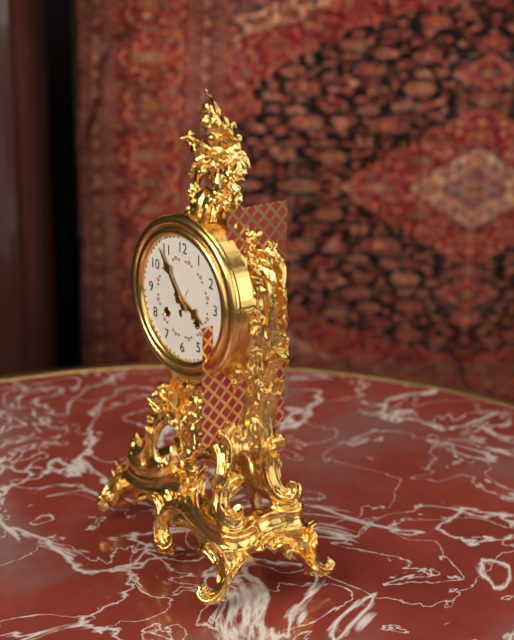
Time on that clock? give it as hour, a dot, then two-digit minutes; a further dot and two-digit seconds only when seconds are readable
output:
3.54
